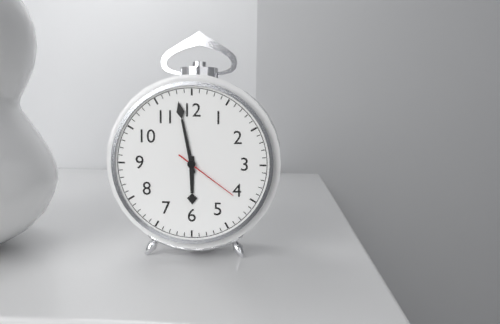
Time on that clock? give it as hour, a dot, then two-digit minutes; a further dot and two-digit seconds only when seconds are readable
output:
5.58.21
